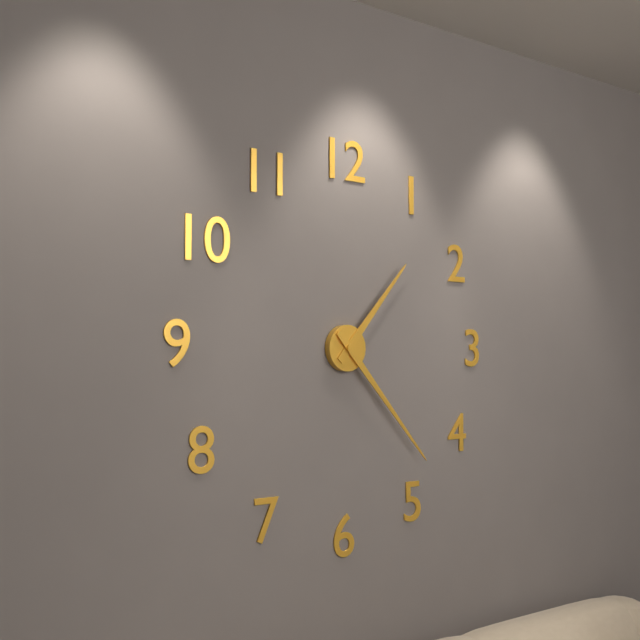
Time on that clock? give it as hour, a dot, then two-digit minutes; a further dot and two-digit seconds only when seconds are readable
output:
1.23
